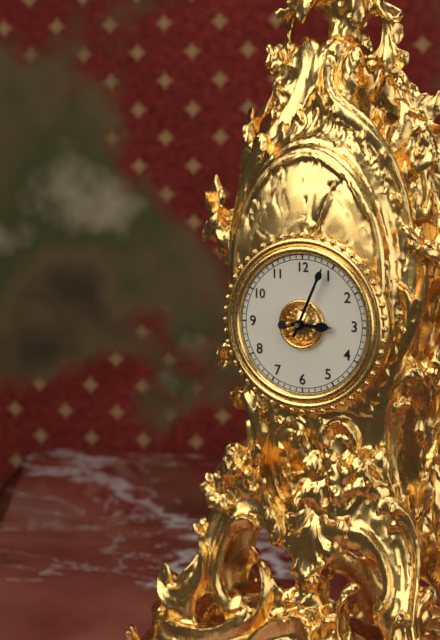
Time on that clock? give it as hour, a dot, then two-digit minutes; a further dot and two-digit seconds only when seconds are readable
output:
3.04
